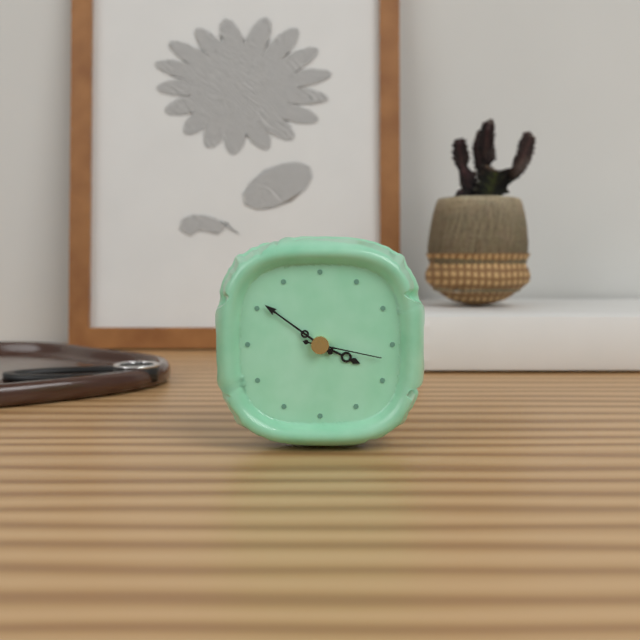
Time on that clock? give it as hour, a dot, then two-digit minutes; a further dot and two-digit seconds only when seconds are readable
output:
3.51.17
